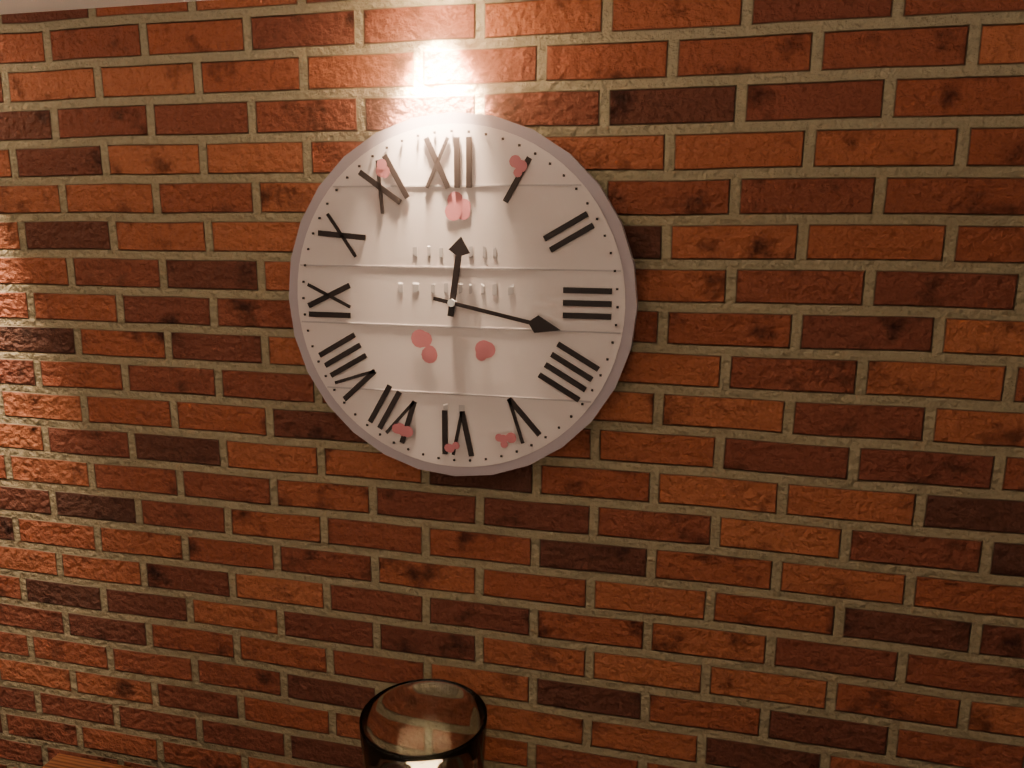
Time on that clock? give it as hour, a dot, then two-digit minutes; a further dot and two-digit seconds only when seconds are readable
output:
12.17
